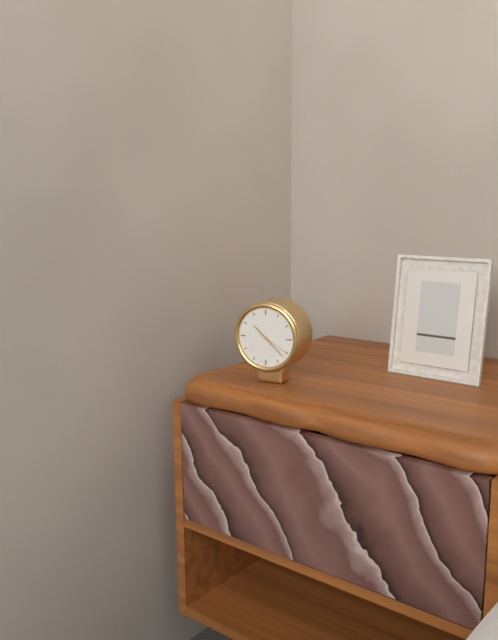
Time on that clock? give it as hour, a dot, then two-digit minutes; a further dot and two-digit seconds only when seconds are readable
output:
10.22
